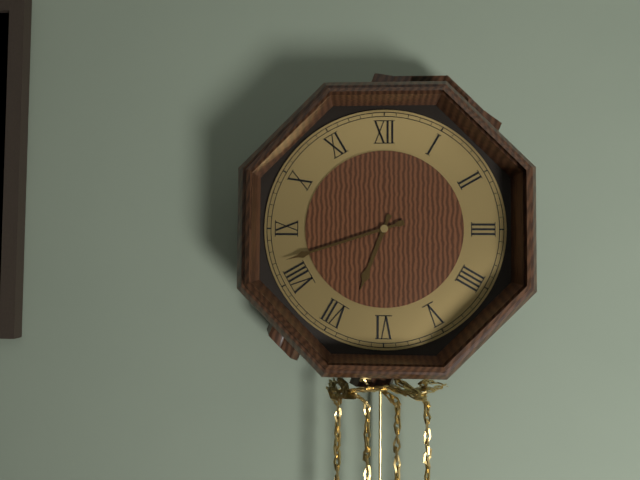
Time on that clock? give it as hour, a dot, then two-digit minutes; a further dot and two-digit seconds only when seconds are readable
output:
6.42
